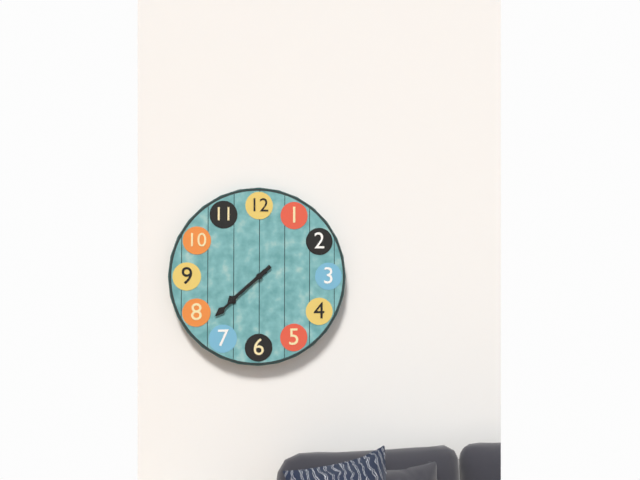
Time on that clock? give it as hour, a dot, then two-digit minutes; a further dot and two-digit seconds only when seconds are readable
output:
7.38
